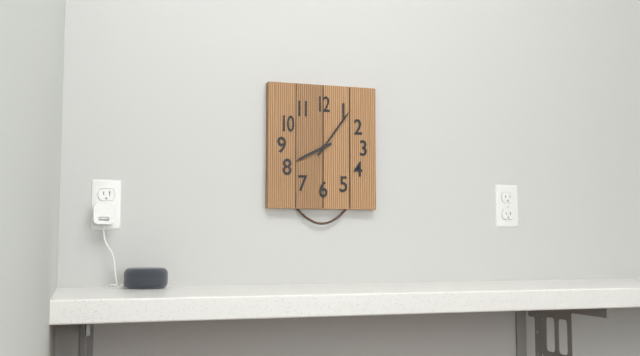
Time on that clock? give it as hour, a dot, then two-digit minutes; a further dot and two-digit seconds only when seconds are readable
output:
8.06
